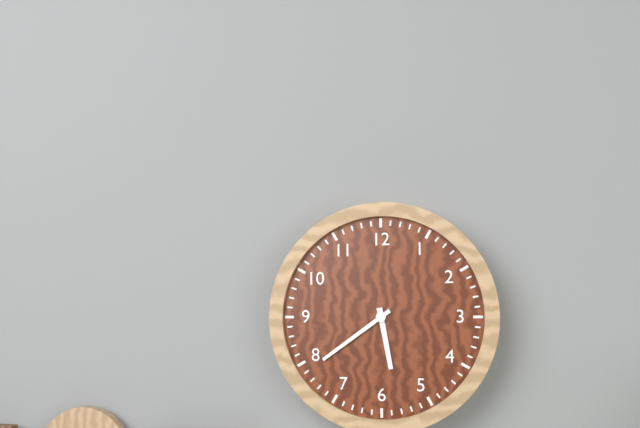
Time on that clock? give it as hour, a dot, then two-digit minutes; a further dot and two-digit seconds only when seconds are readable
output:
5.39
